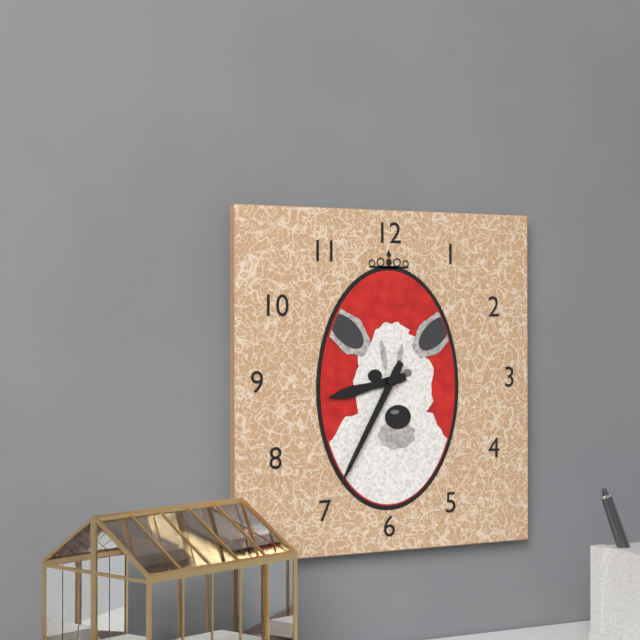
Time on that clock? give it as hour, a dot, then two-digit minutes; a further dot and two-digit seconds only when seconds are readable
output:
8.35
